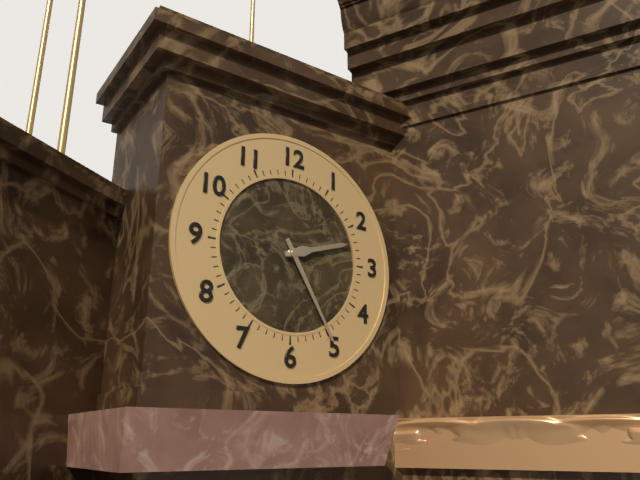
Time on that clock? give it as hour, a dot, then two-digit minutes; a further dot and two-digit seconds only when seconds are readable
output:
2.25
